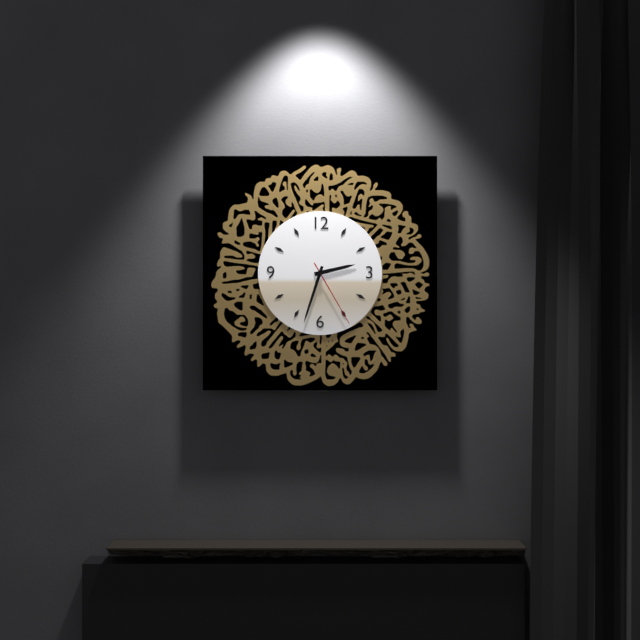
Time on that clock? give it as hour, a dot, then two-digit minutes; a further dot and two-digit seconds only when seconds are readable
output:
2.33.25
